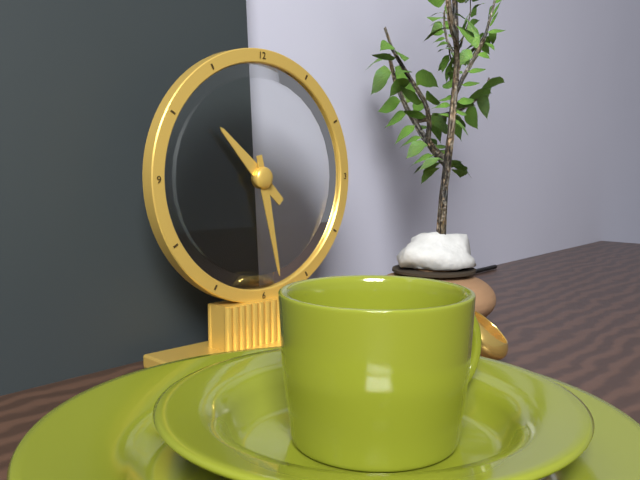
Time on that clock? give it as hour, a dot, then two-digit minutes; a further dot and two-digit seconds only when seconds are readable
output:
10.28
